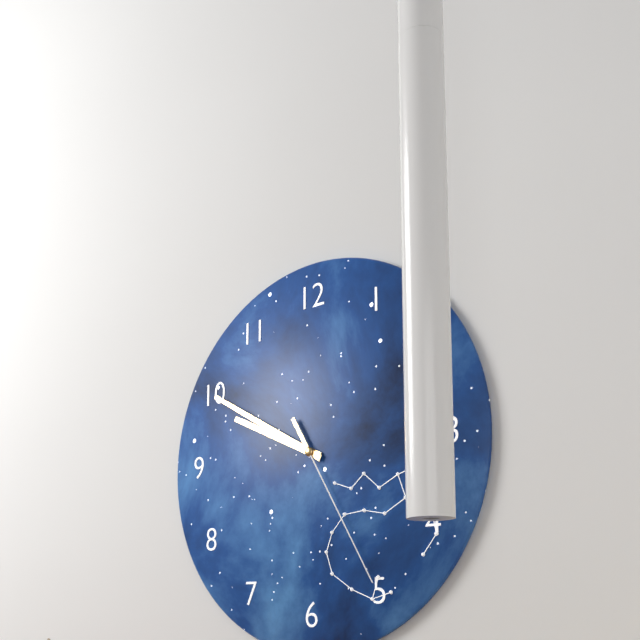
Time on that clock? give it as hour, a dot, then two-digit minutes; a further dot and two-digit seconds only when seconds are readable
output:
9.50.25
